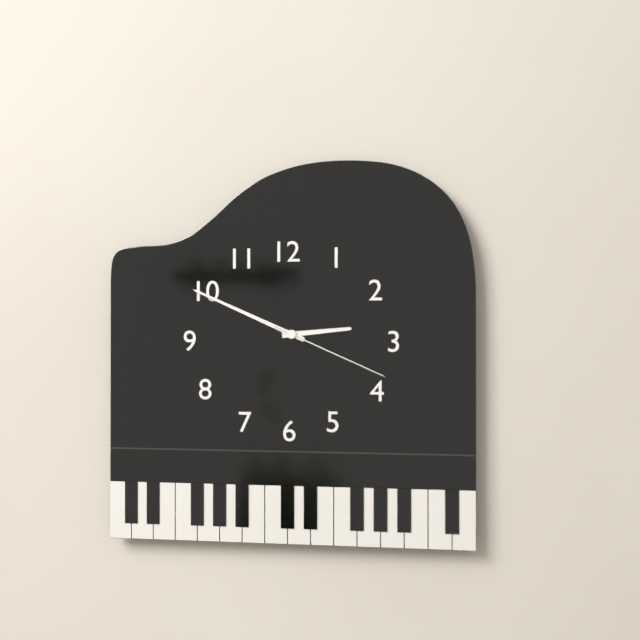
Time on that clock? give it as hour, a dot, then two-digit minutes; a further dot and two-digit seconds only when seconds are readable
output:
2.49.19
